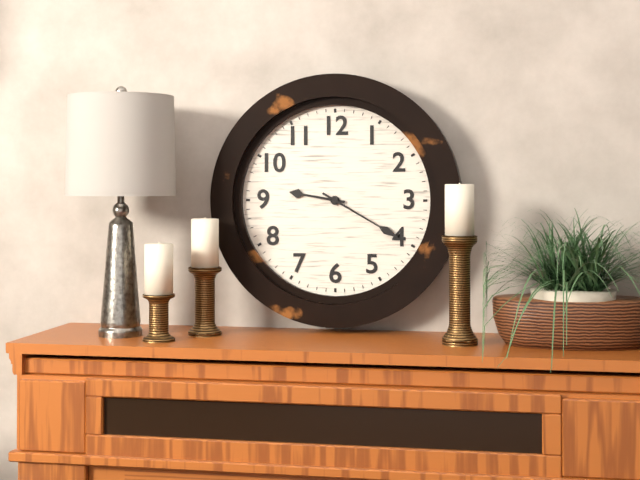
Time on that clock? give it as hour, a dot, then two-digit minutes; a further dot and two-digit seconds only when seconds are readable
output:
9.20
